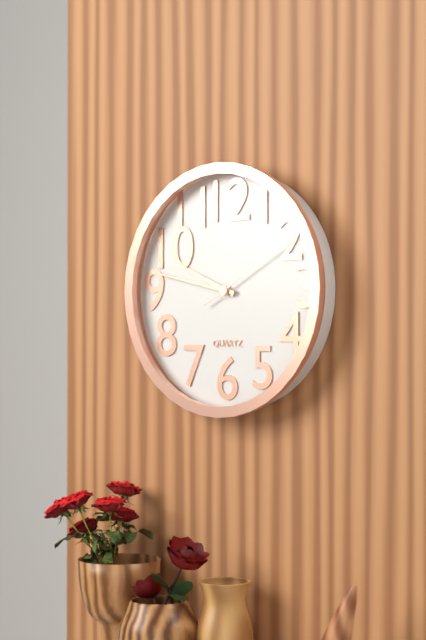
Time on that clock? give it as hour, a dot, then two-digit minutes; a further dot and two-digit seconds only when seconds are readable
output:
9.47.10
